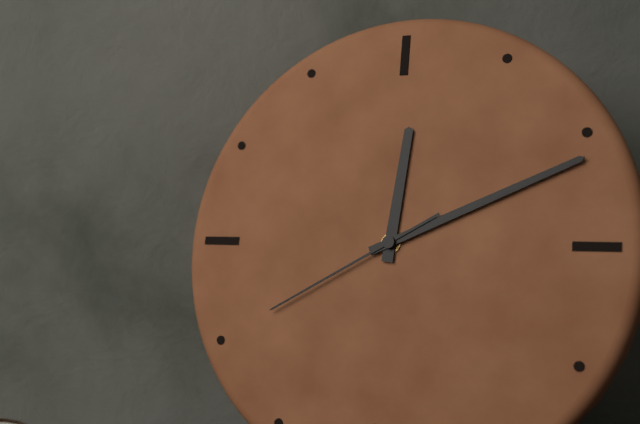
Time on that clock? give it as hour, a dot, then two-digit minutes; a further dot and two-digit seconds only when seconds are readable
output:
12.11.40
